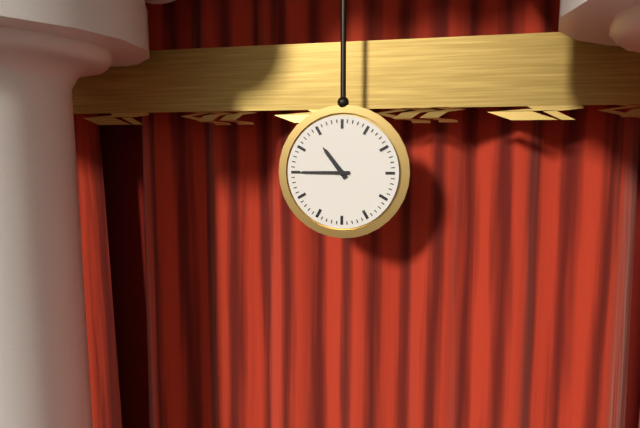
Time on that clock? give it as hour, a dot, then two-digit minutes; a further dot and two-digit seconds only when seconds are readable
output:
10.45
